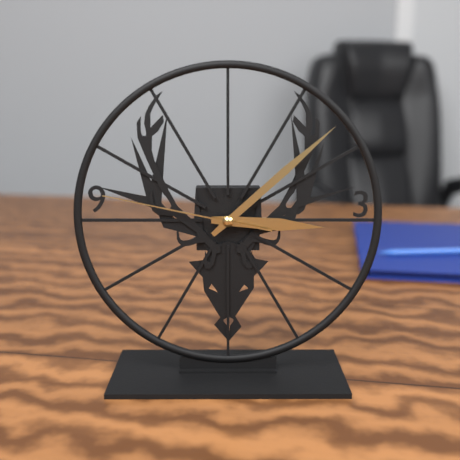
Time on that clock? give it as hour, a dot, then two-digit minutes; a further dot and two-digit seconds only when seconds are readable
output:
3.08.47
